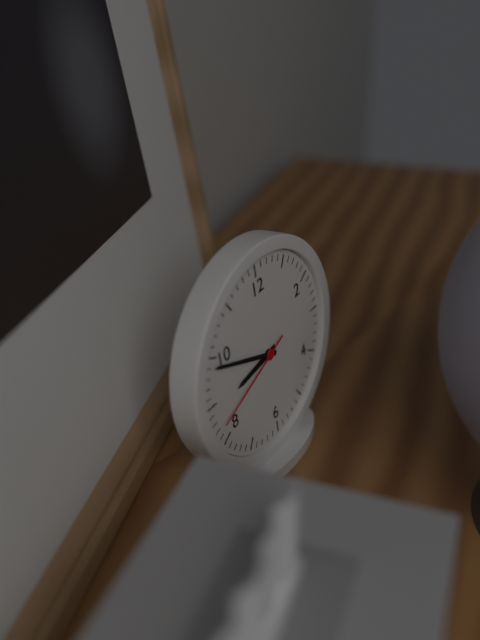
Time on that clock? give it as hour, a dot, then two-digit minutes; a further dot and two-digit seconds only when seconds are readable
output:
8.49.42
